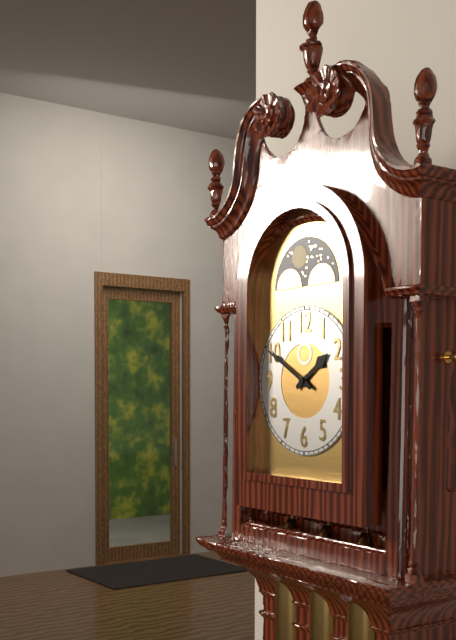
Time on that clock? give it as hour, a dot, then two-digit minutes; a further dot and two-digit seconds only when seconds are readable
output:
1.50
